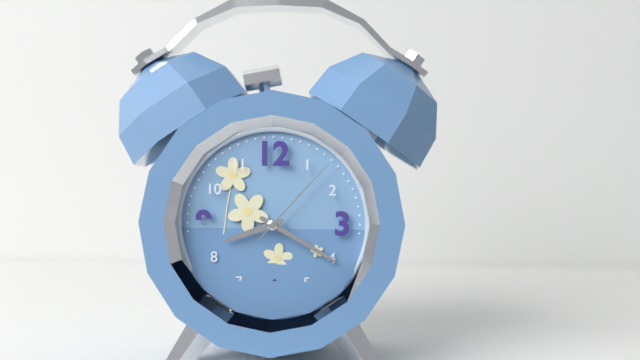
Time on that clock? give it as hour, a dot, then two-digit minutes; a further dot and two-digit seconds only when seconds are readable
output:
8.20.07
